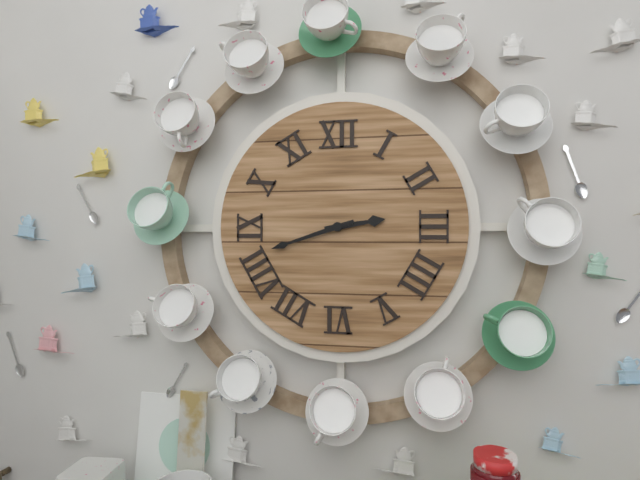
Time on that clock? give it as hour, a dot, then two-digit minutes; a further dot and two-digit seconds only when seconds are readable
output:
2.42
